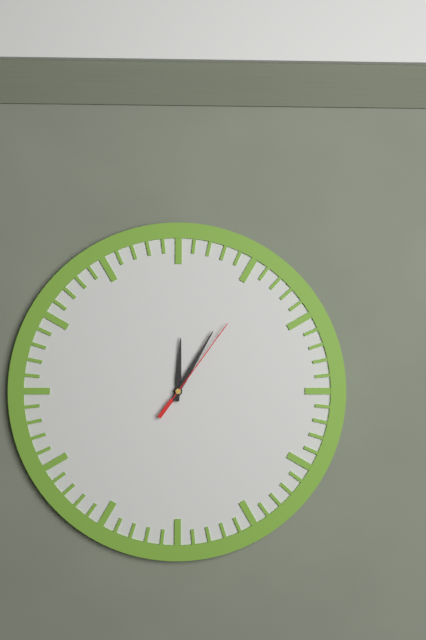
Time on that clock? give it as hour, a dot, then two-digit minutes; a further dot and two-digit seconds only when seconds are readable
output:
12.05.06
